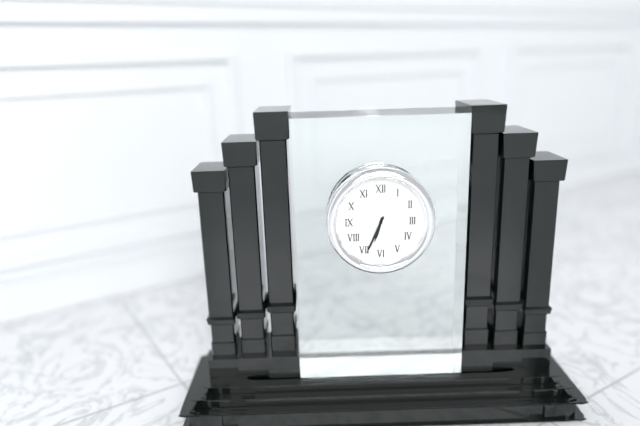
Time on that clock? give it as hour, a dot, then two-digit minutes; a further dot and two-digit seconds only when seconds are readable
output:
6.34
